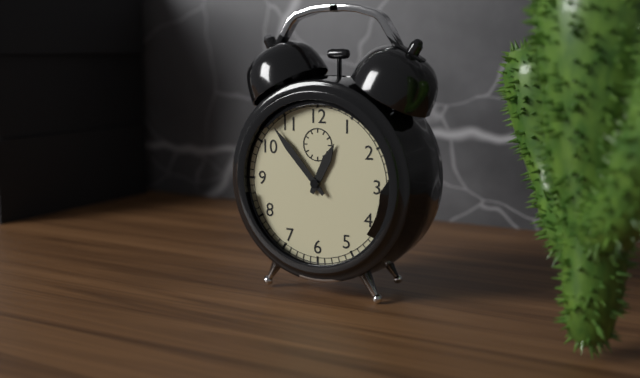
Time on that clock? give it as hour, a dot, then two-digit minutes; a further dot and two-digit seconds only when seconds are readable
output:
12.53
